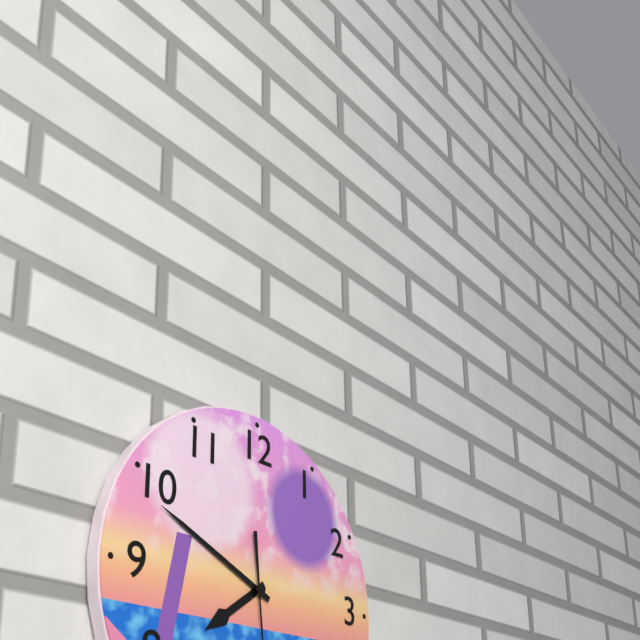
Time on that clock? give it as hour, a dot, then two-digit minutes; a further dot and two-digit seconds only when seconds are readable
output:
7.49
